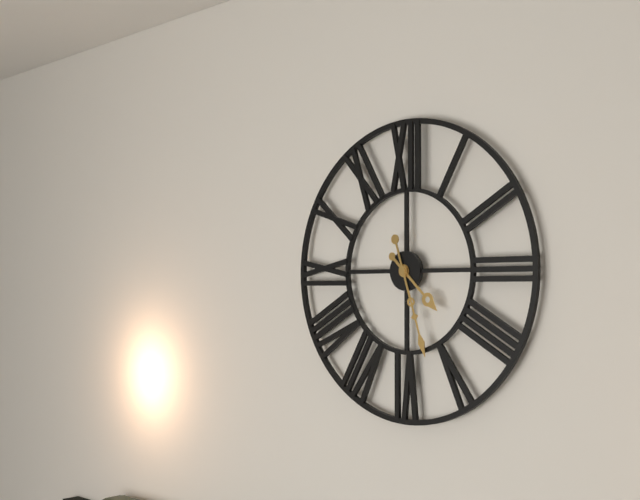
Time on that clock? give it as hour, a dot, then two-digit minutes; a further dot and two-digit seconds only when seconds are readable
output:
4.27
